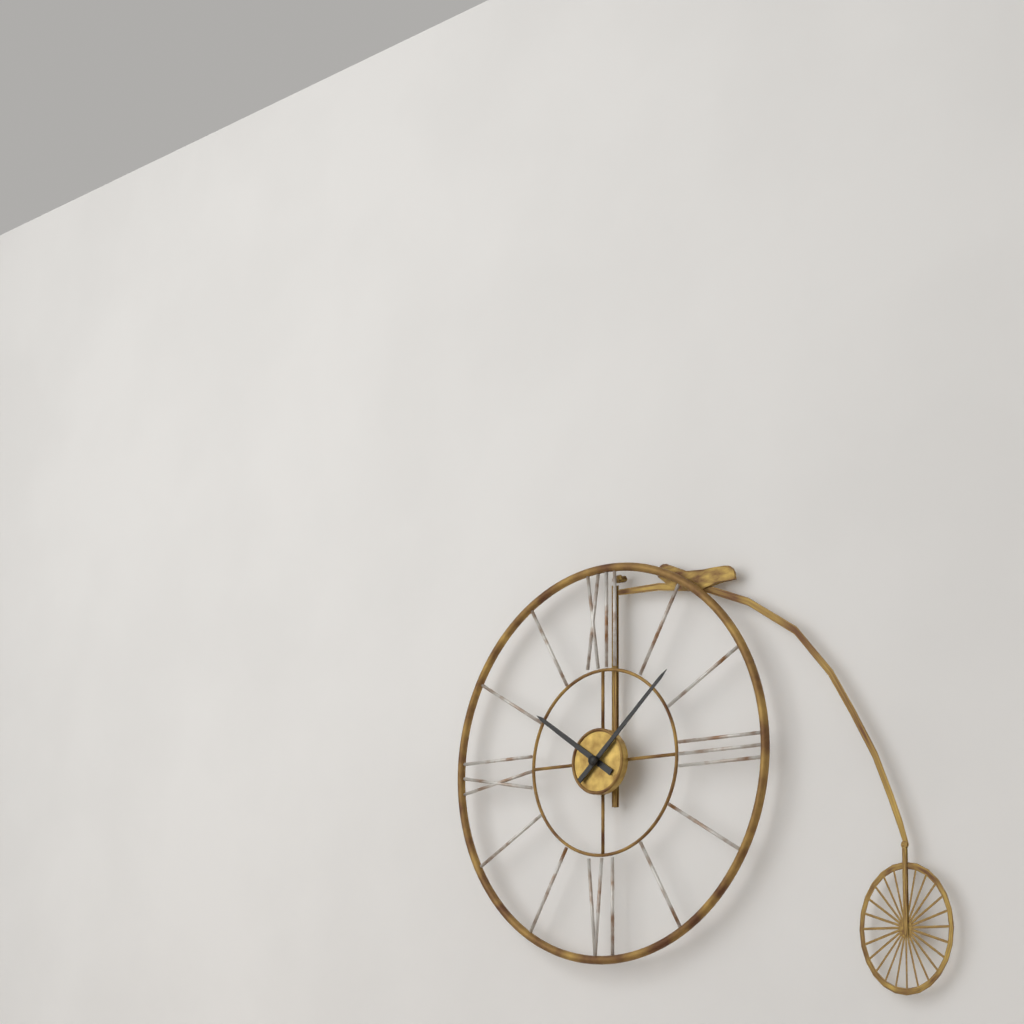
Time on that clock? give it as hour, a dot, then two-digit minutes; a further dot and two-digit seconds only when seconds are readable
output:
10.08
